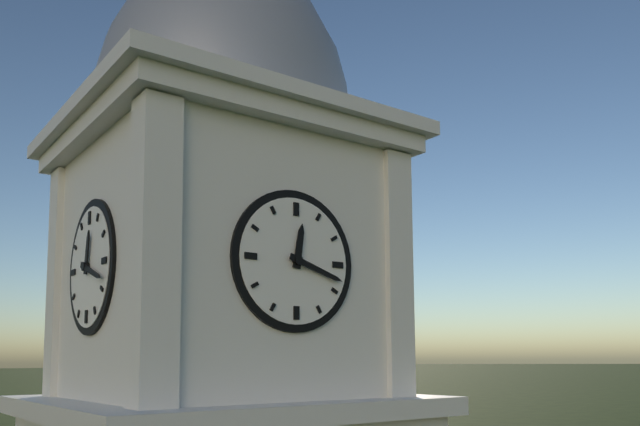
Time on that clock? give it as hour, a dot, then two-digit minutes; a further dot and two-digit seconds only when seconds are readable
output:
12.18
